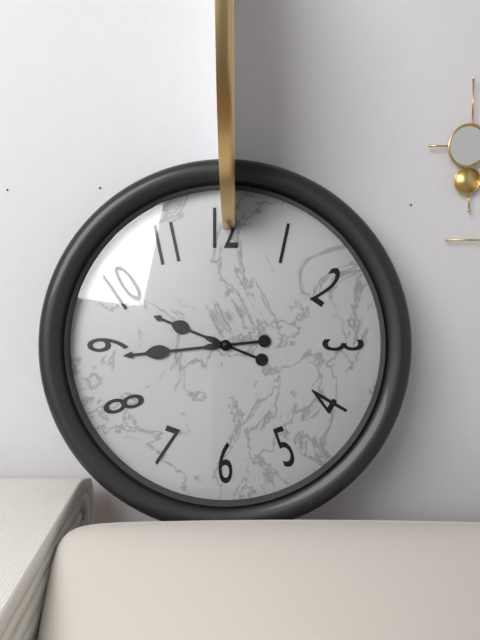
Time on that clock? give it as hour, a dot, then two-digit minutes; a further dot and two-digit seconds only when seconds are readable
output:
9.44
